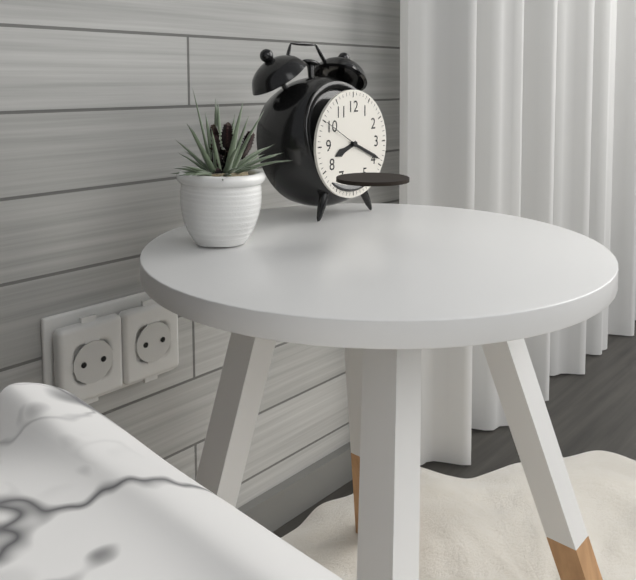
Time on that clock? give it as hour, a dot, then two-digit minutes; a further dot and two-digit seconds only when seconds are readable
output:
8.19
